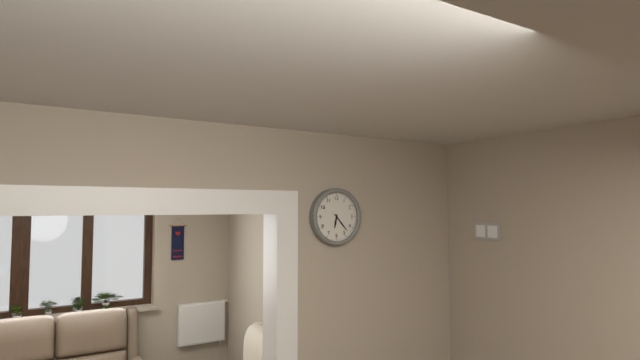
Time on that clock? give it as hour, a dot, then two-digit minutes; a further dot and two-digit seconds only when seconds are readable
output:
6.23
